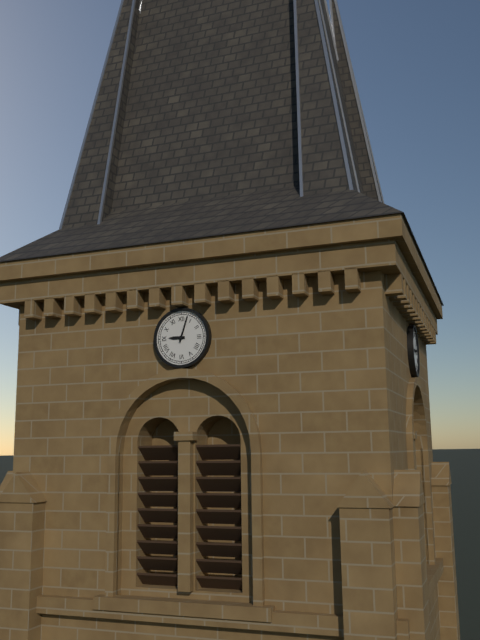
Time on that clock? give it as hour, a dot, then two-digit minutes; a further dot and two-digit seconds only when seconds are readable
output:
9.03
